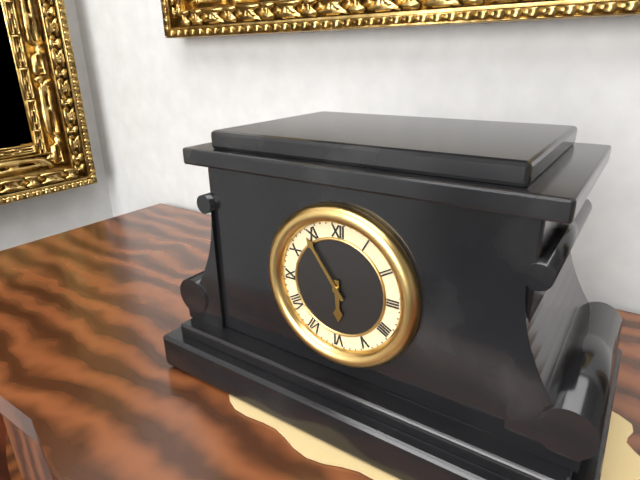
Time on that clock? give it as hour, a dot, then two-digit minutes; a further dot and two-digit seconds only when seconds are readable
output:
5.54
